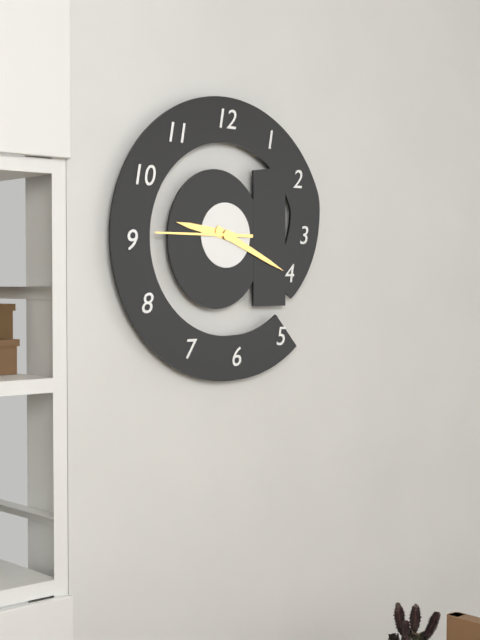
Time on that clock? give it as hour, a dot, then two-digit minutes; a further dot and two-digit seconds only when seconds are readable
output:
9.19.45
